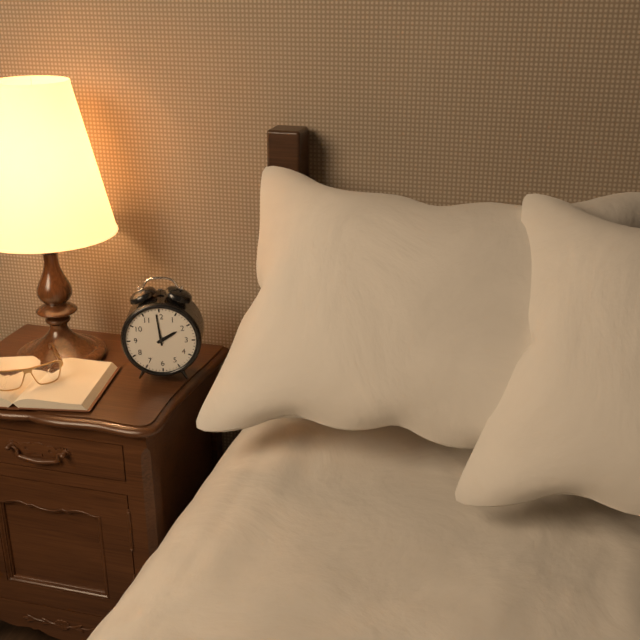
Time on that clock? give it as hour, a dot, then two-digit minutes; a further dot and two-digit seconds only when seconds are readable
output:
1.59
